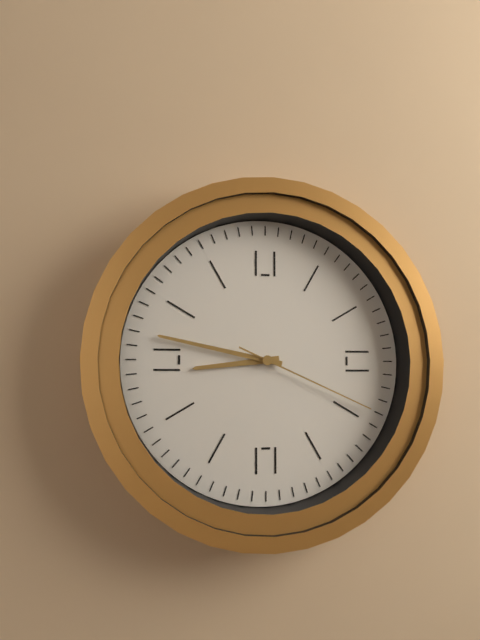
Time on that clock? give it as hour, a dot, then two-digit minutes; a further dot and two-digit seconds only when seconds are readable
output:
8.47.19
